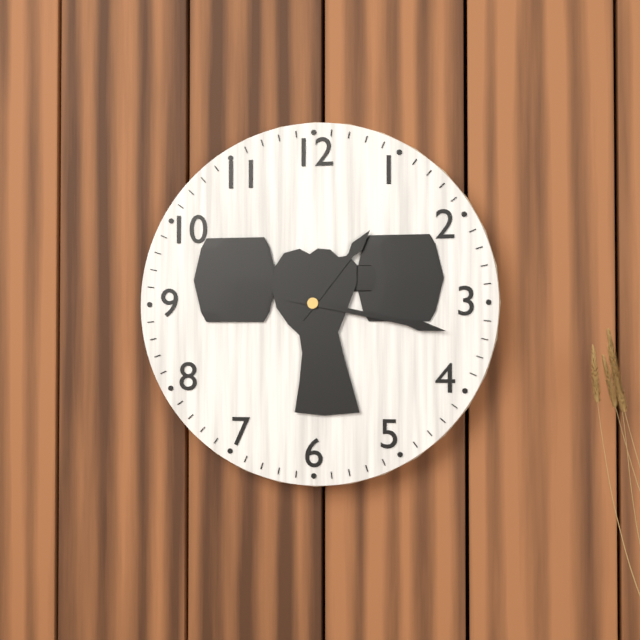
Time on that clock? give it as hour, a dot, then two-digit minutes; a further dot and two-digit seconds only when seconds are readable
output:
1.17
